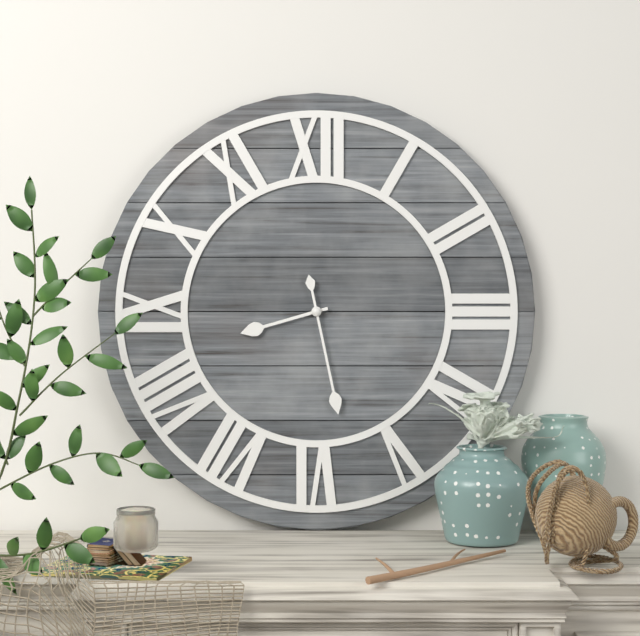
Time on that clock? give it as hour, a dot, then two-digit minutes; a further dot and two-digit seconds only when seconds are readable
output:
8.28
